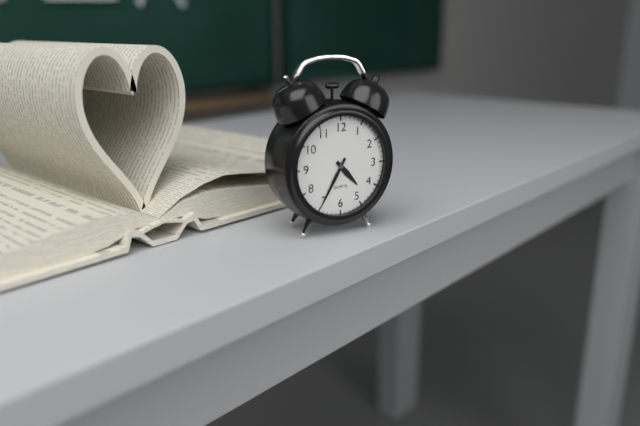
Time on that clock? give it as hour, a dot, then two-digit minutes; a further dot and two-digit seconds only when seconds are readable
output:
4.35
